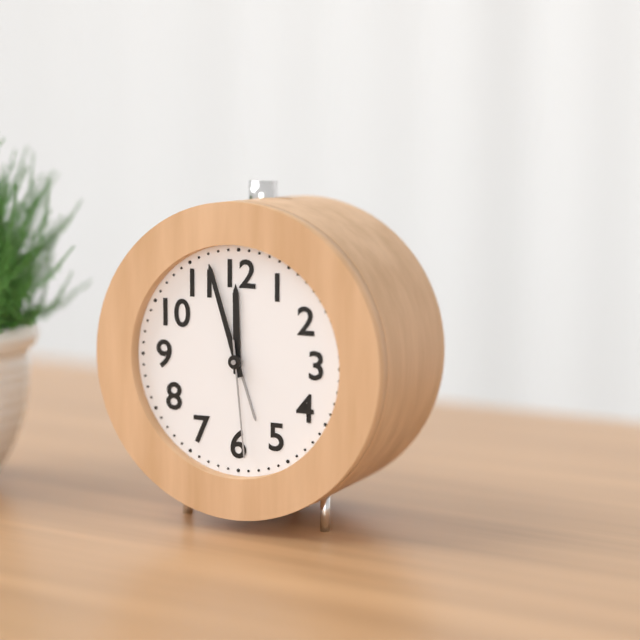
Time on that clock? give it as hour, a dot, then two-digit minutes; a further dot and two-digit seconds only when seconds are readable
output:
11.57.29
